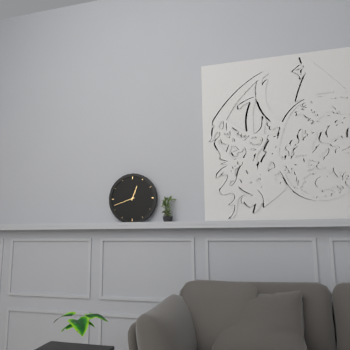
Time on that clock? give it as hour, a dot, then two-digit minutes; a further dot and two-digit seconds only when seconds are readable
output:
12.42
